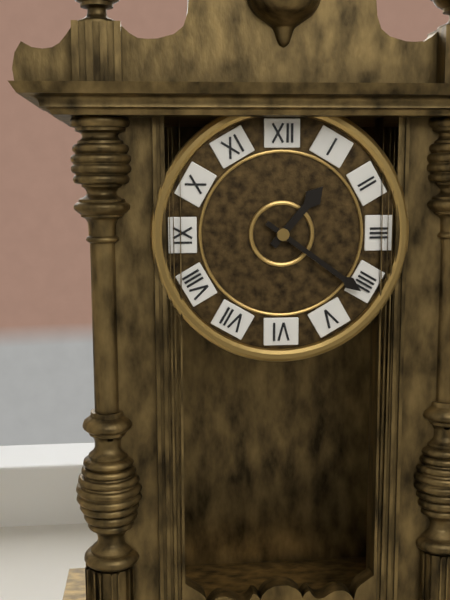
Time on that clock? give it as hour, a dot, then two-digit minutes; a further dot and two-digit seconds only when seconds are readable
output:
1.21
